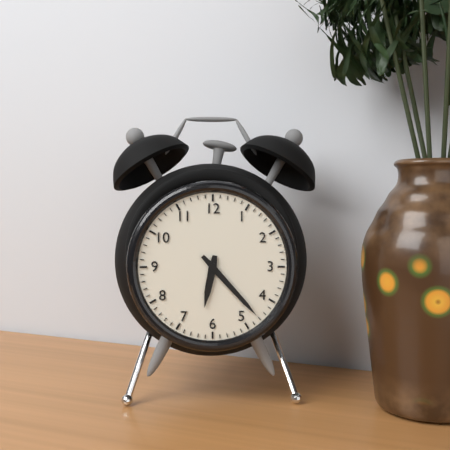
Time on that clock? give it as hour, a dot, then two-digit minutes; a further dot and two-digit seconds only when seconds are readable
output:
6.23
